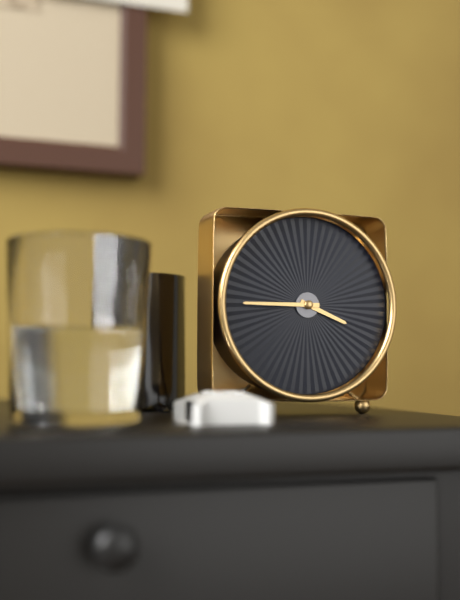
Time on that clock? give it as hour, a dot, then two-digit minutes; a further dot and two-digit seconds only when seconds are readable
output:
3.45
